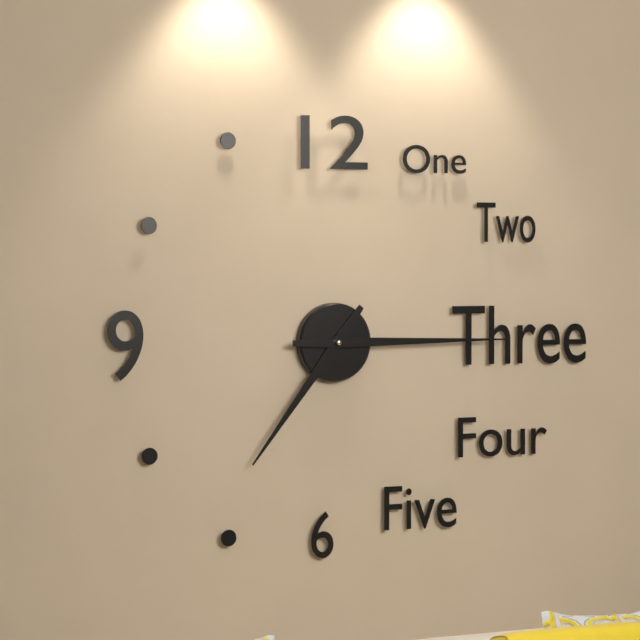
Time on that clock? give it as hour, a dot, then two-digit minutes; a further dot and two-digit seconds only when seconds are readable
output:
7.15
